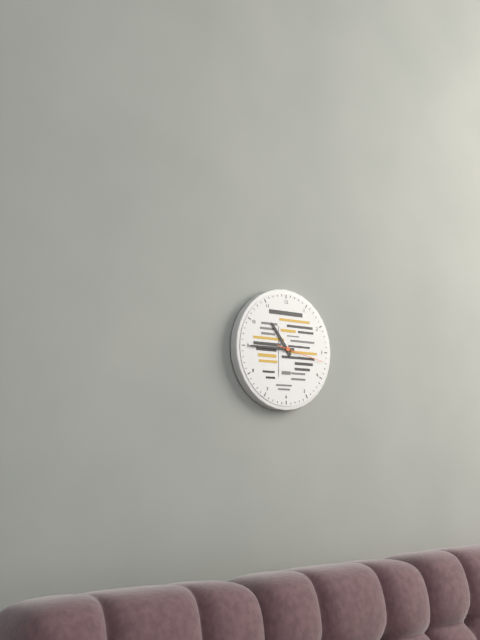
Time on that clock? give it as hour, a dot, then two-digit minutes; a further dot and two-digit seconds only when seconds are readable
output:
10.45
